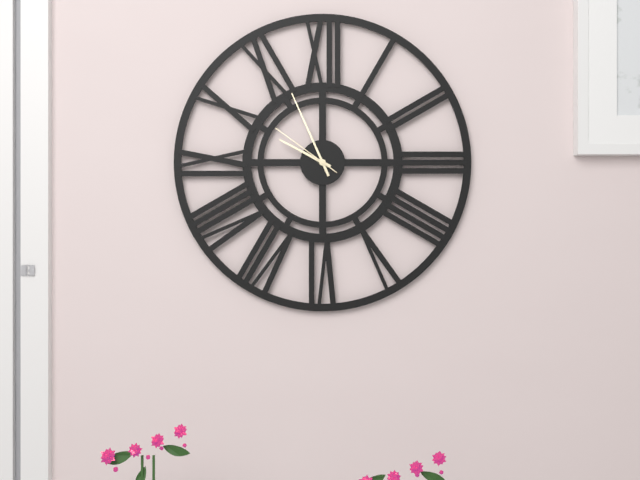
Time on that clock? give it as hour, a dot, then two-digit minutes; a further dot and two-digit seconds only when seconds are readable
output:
9.56.51
